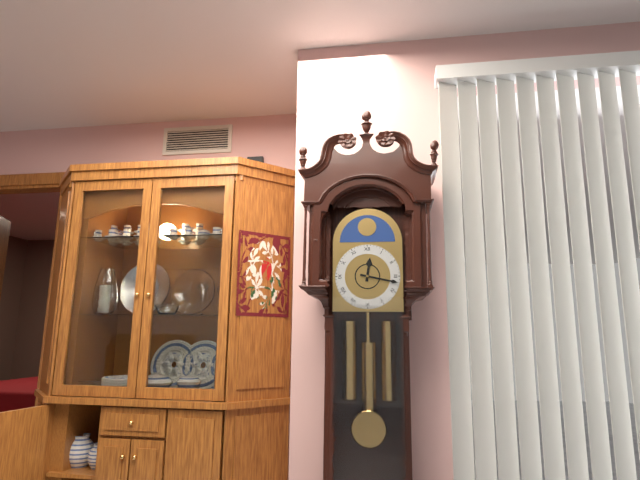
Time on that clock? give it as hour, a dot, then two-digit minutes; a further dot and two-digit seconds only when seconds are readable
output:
12.17
